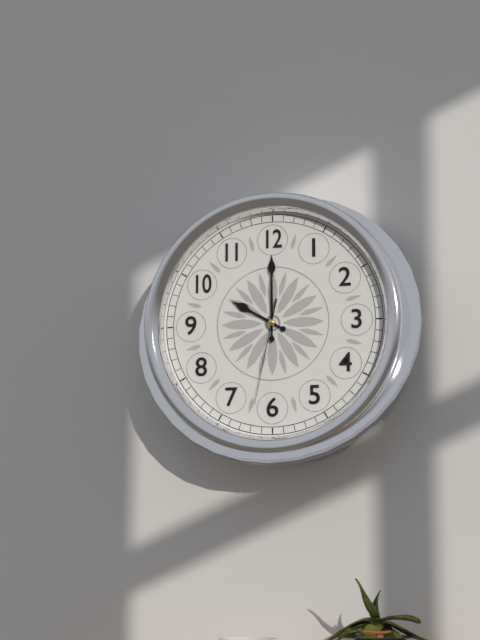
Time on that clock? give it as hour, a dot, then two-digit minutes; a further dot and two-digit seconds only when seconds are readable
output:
10.00.32
